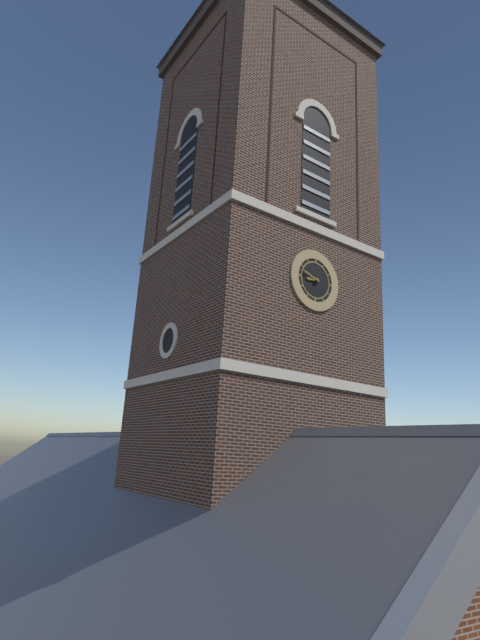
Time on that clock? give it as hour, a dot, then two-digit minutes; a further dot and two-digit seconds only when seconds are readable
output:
8.48
